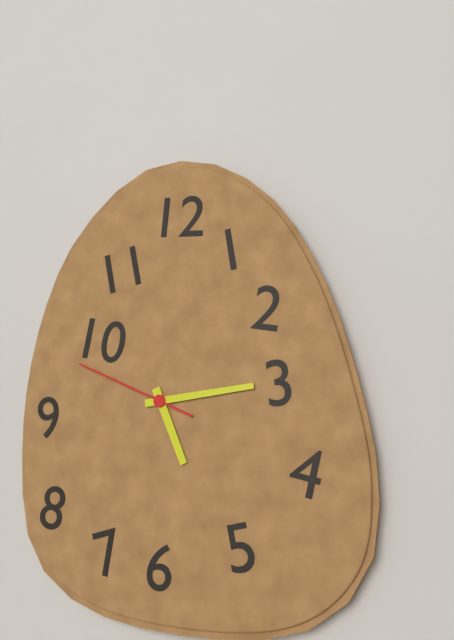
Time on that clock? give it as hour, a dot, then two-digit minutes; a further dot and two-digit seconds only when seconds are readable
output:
5.14.49
